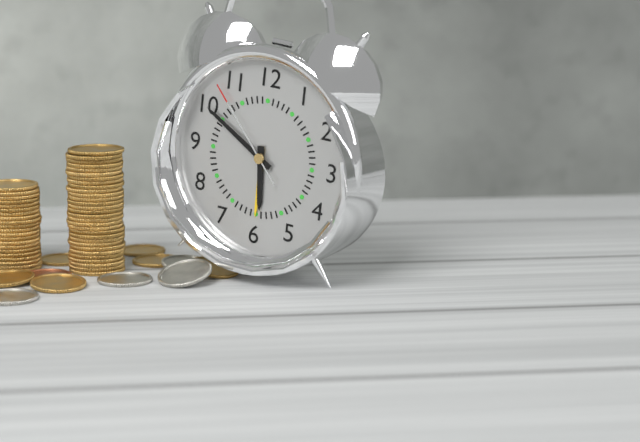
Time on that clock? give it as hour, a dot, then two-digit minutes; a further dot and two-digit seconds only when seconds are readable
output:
5.50.53
